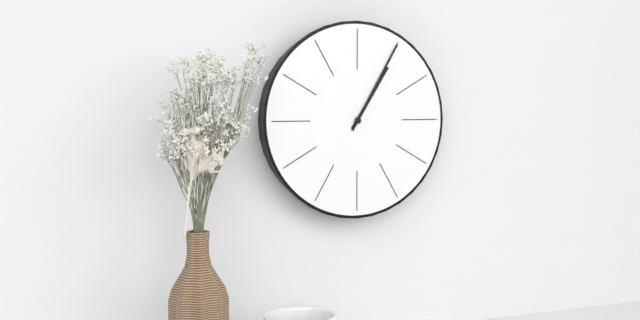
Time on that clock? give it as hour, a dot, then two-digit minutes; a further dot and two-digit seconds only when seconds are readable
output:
1.05
